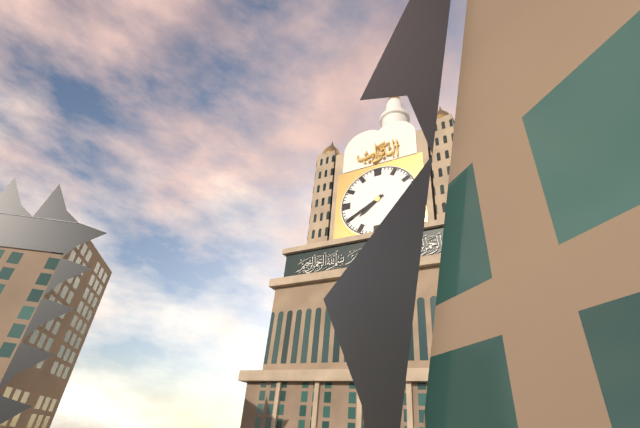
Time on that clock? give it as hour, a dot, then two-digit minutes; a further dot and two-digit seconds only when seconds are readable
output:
7.40
